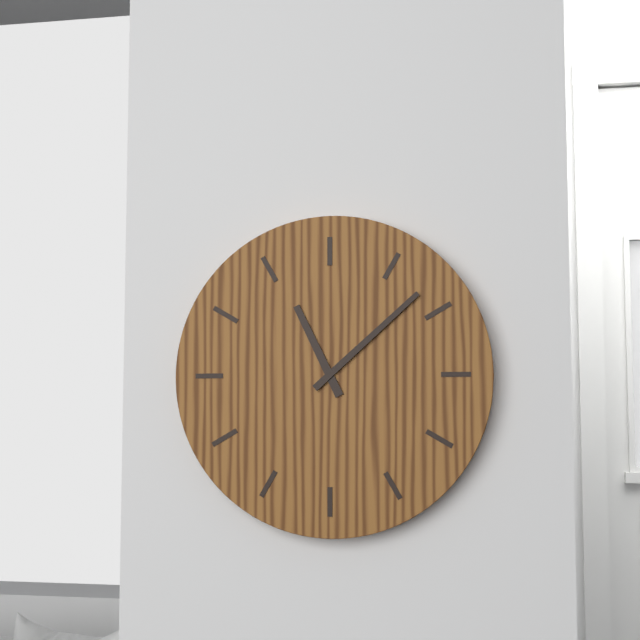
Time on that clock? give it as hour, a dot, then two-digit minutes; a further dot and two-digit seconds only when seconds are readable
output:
11.08
